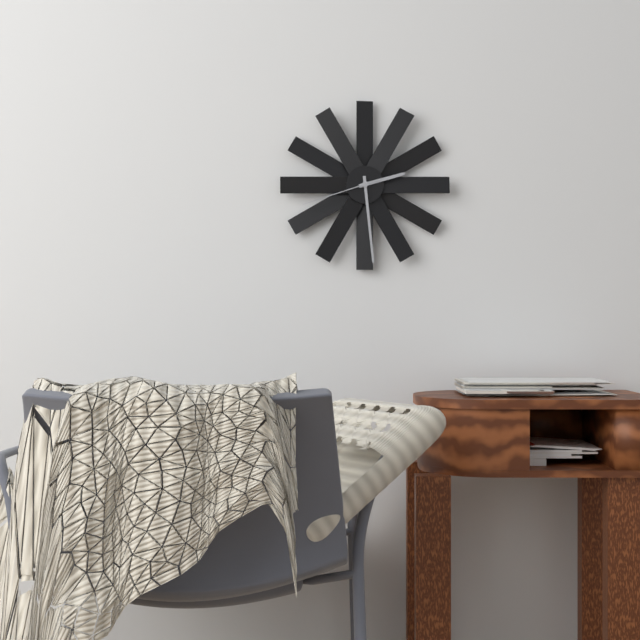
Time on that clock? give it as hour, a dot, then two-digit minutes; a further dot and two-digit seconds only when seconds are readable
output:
2.29.42
